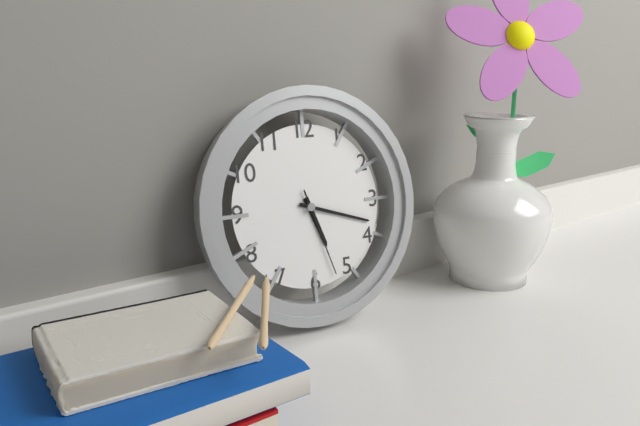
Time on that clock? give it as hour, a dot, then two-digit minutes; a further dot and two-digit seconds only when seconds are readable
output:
5.18.27
